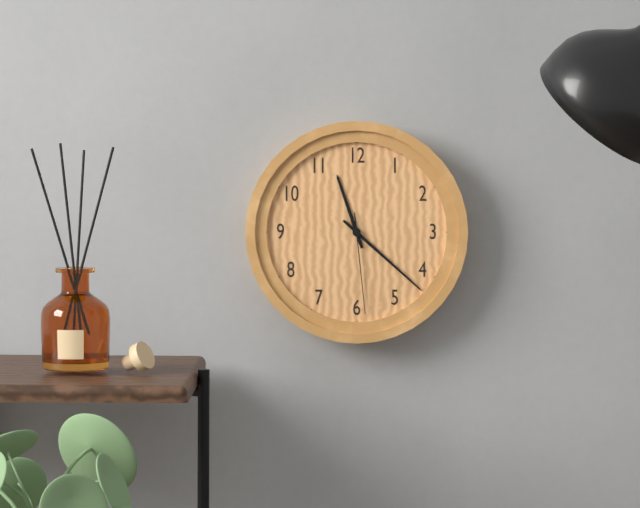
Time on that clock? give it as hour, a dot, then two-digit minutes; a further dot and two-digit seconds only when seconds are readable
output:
11.22.29
